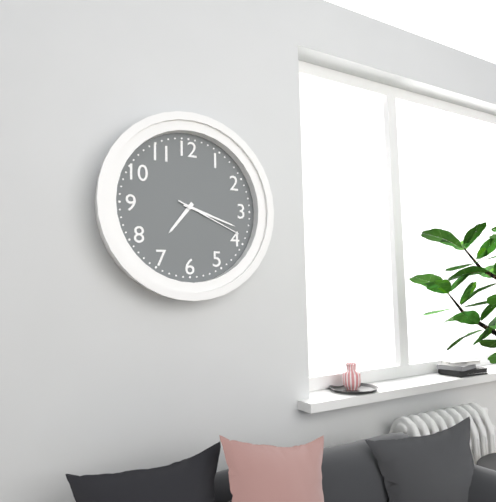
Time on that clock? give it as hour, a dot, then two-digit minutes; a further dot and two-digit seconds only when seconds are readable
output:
7.18.19
